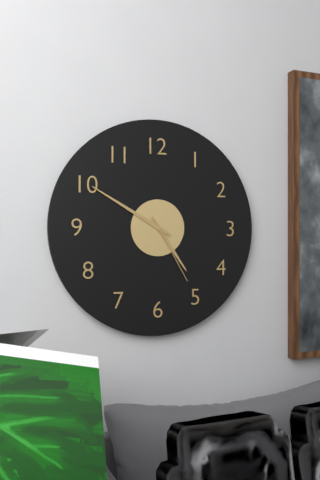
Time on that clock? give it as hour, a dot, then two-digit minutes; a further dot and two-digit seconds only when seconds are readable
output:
4.50.25
